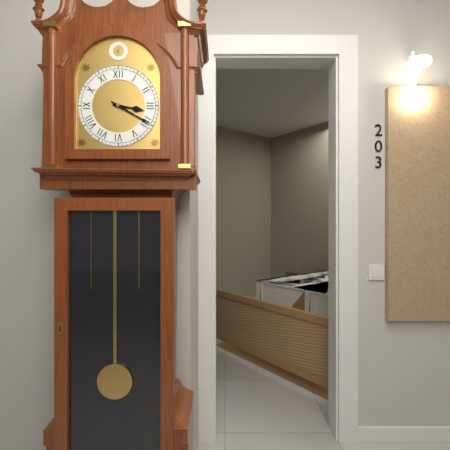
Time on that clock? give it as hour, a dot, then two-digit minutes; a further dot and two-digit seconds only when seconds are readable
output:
3.20
